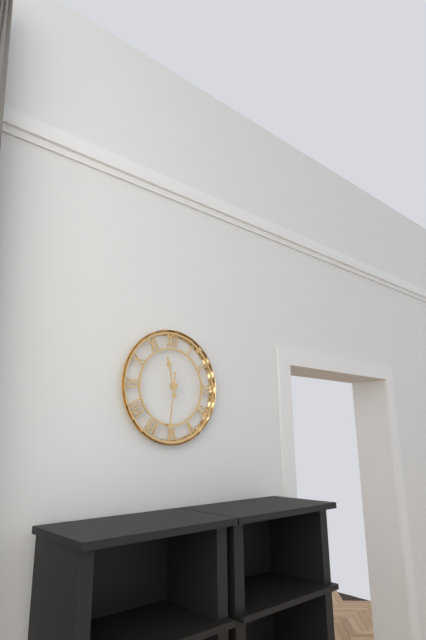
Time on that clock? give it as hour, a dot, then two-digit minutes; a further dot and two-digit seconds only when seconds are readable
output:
11.31
